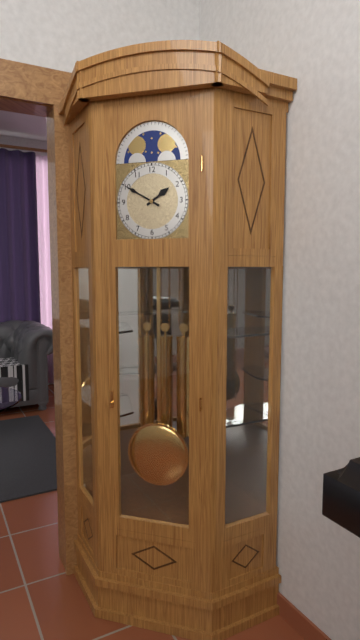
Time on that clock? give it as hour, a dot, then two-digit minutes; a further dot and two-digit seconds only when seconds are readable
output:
1.50
